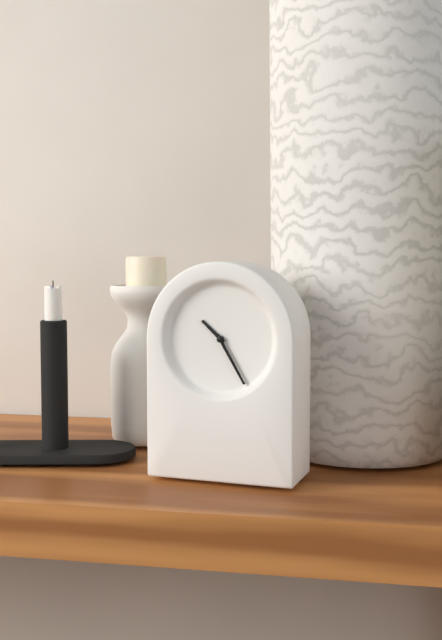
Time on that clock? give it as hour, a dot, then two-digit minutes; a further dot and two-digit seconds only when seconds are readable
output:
10.25
